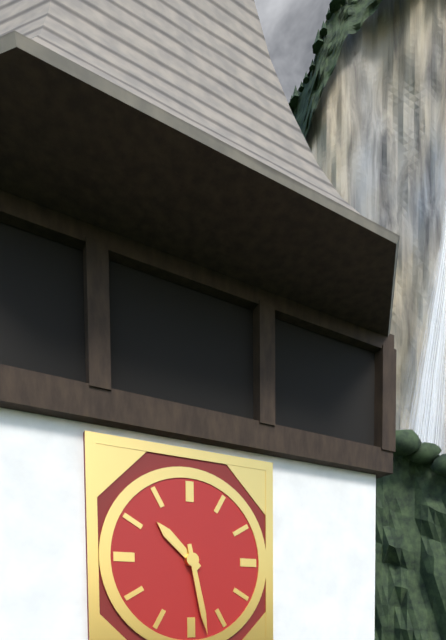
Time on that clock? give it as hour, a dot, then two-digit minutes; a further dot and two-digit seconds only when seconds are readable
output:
10.28
